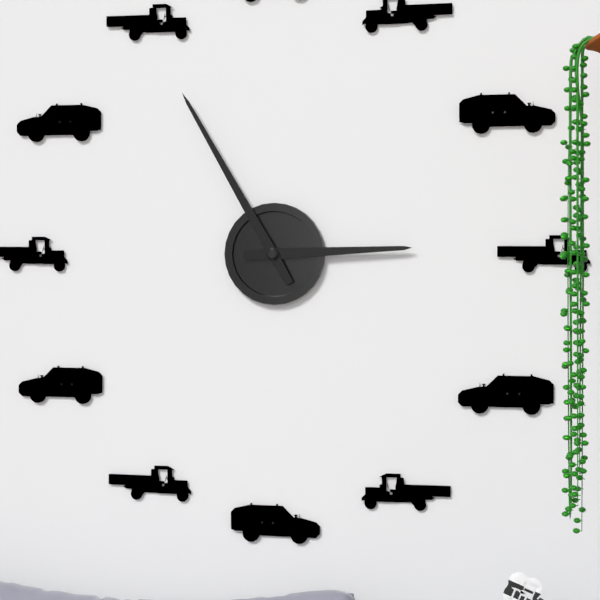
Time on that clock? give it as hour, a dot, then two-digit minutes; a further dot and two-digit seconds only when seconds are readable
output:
2.55
